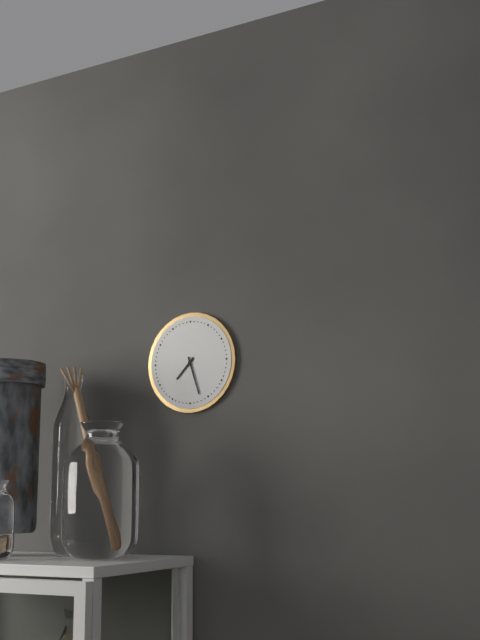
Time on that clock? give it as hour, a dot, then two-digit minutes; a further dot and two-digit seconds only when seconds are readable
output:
7.27
